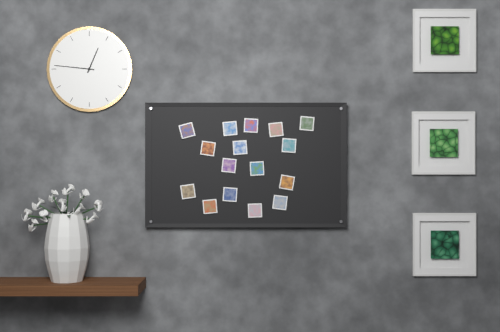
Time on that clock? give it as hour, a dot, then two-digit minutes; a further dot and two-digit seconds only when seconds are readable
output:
12.46
